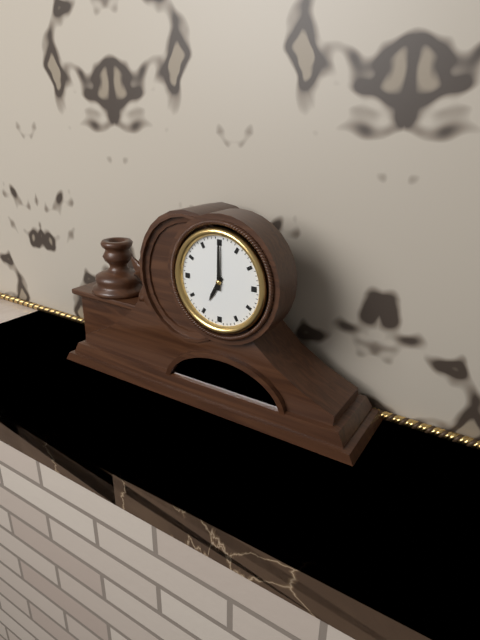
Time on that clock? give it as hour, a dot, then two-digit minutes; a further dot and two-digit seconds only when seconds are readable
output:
7.00
